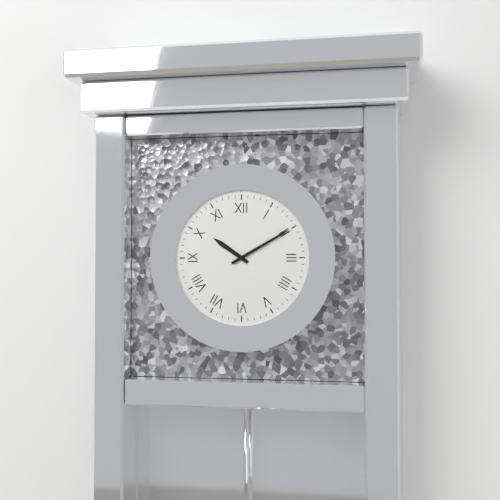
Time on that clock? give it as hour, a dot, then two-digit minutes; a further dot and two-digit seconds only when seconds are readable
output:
10.10
